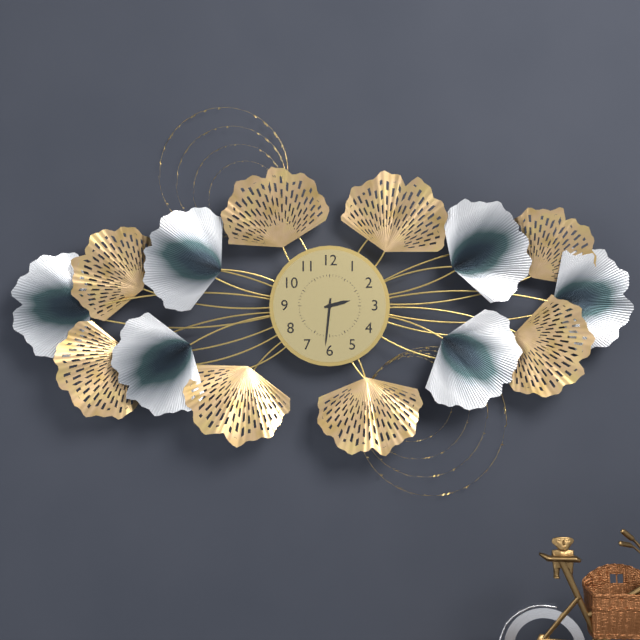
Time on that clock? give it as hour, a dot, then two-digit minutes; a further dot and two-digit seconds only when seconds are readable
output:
2.31
